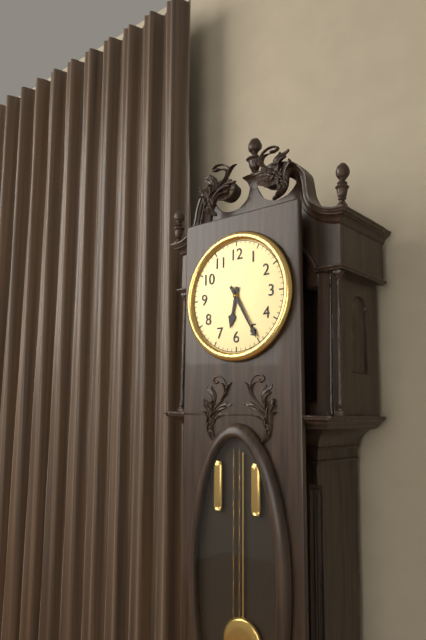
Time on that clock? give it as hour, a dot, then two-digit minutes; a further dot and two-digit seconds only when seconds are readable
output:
6.25
